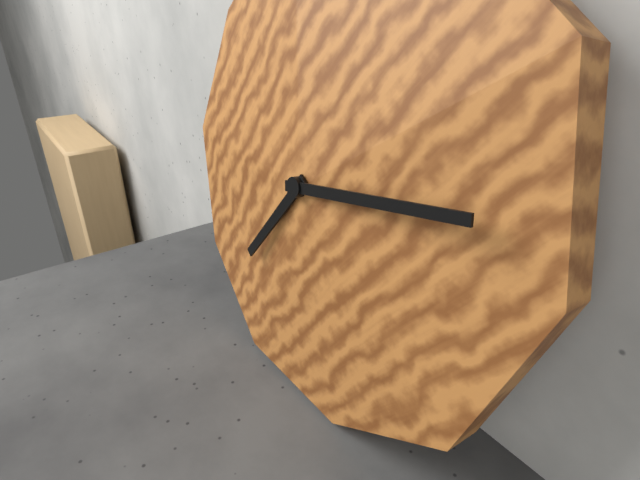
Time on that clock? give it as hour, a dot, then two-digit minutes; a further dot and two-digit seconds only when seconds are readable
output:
7.13
